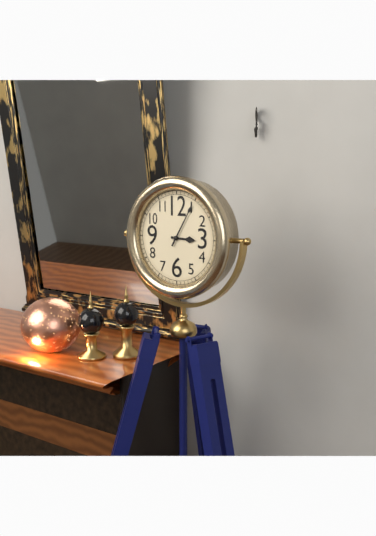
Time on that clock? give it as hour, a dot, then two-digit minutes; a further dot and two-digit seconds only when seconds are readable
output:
3.05
